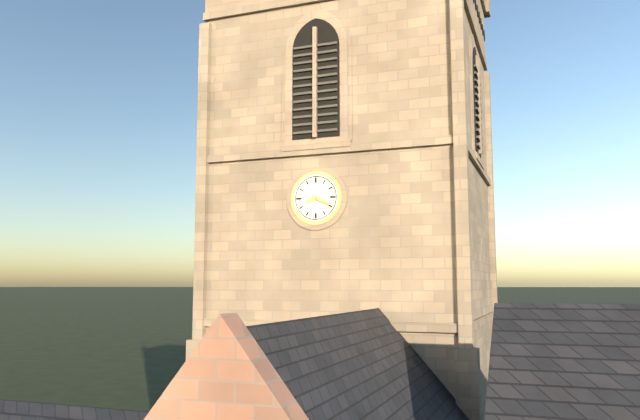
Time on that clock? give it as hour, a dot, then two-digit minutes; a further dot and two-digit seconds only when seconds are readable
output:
8.19
